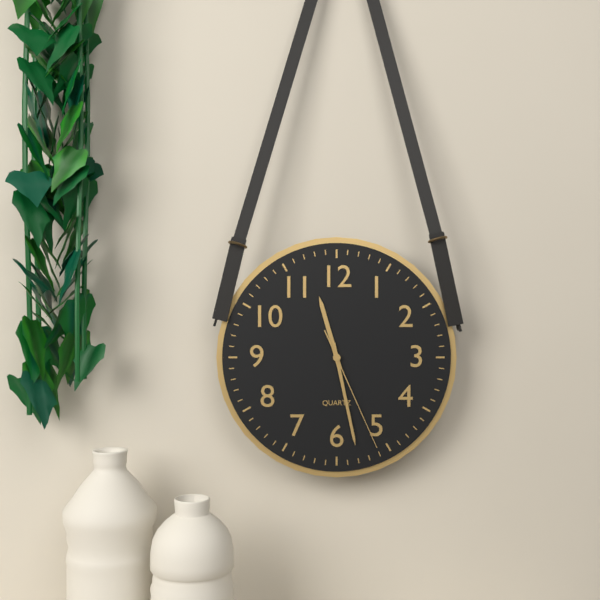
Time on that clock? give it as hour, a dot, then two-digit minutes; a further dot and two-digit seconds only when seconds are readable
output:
11.28.26
